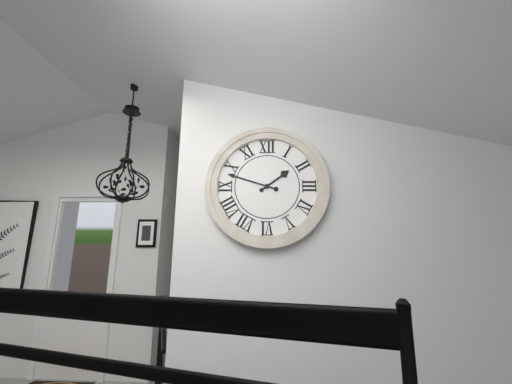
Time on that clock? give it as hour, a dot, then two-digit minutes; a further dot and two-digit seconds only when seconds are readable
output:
1.48
